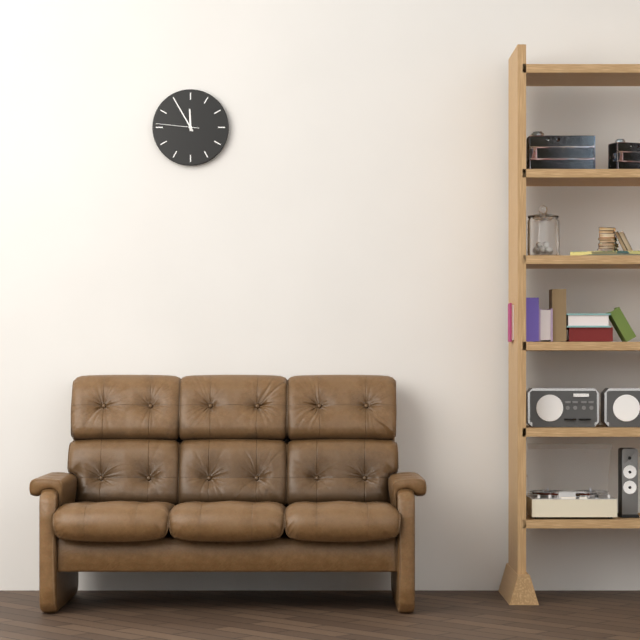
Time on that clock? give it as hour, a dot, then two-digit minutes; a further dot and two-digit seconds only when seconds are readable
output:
11.55
